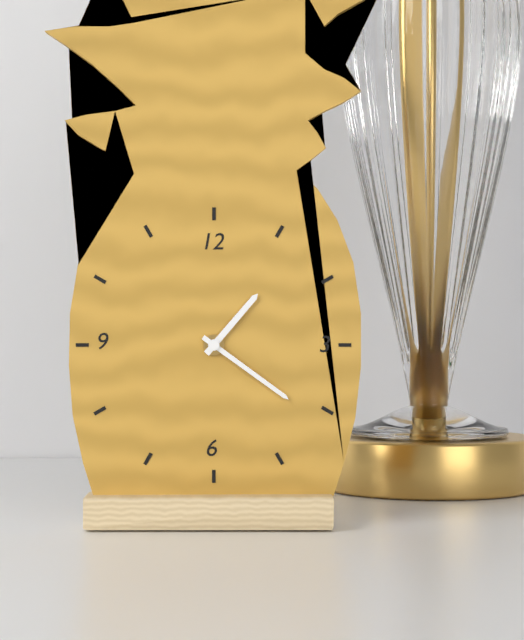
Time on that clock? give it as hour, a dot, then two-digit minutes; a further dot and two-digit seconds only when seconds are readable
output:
1.21
